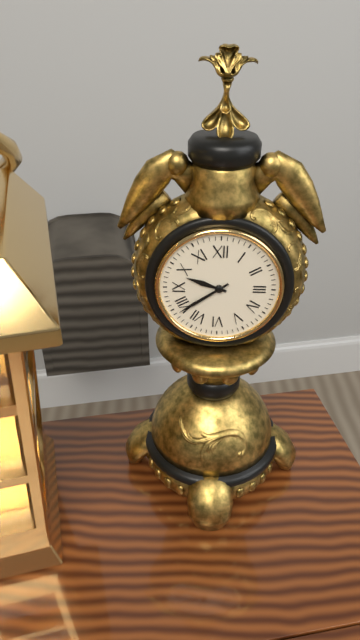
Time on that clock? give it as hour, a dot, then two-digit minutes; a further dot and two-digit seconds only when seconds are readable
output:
9.39
